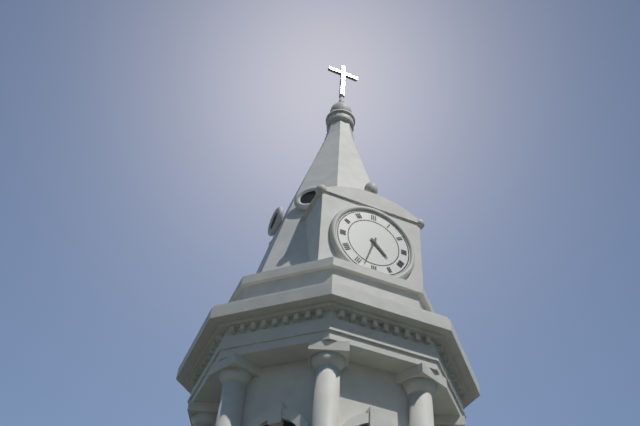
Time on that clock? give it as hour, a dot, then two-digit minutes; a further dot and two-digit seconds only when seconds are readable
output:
4.33
